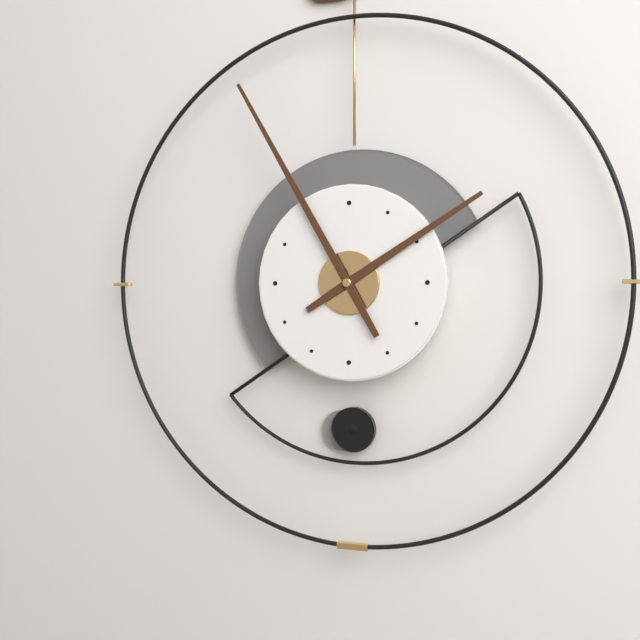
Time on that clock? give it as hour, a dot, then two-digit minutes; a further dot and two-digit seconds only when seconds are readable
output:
1.55
